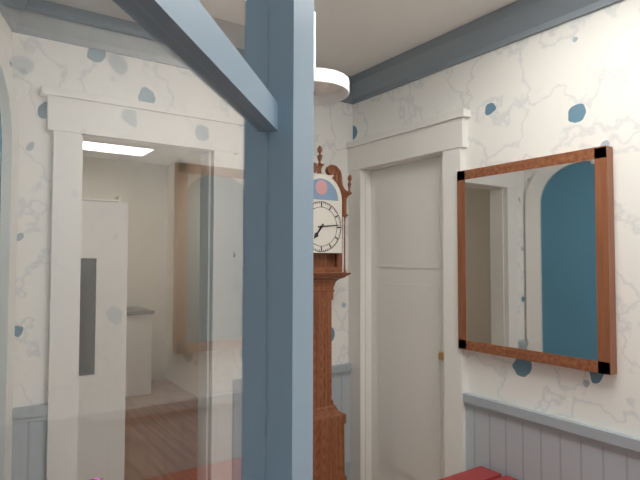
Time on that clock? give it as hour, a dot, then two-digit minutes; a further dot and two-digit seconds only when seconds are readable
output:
7.14
